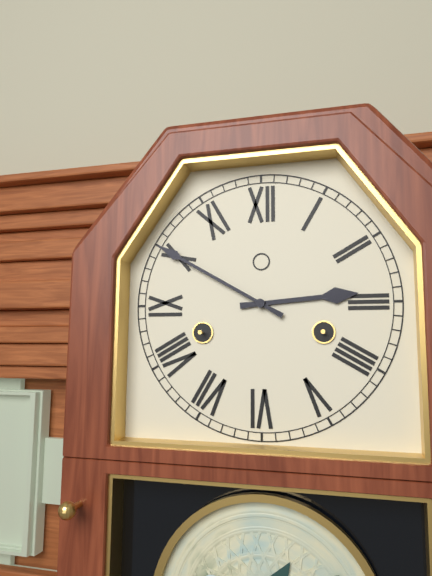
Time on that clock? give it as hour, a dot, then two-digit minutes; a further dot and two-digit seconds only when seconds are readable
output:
2.50
